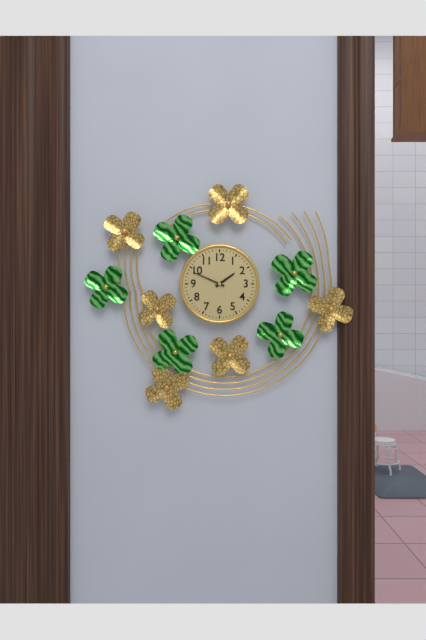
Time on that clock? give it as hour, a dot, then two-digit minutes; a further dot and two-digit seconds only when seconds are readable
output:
1.49
